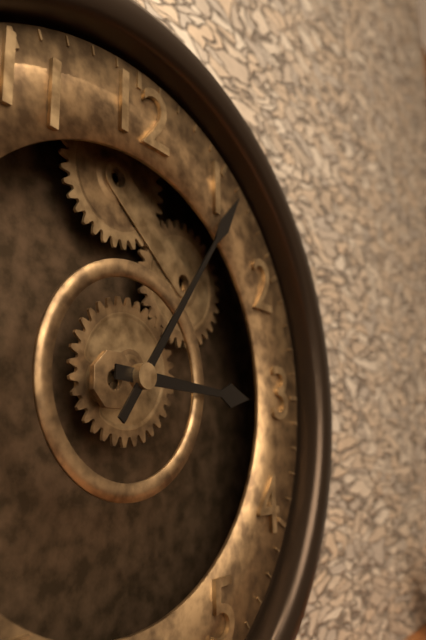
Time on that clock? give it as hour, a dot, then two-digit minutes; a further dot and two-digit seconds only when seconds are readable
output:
3.06
